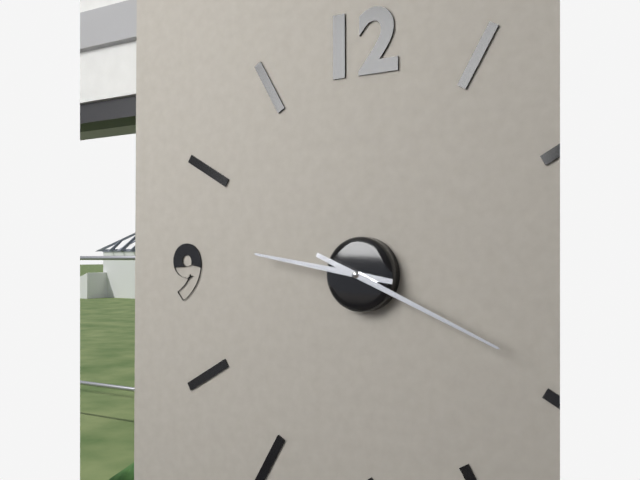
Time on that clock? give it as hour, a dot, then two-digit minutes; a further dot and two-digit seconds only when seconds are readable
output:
9.19
